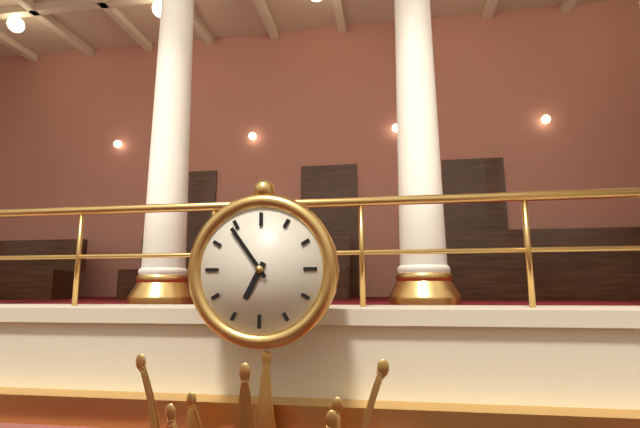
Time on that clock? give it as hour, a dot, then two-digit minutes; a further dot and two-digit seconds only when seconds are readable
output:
6.54
